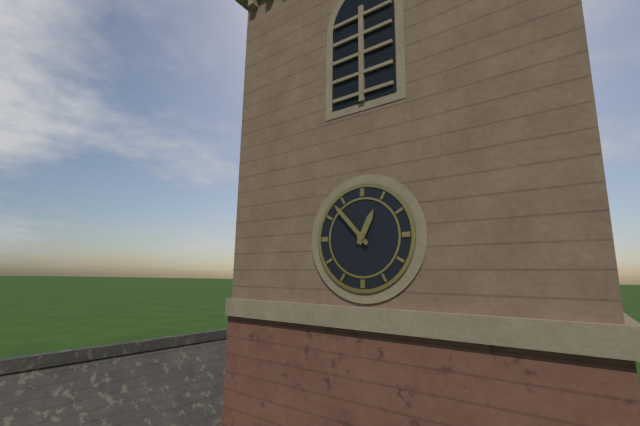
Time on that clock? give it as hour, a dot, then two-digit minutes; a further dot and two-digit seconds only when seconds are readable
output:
12.53
